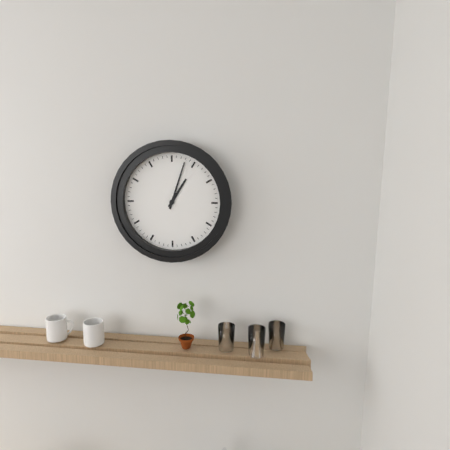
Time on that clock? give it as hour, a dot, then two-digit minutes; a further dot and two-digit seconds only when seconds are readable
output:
1.03
